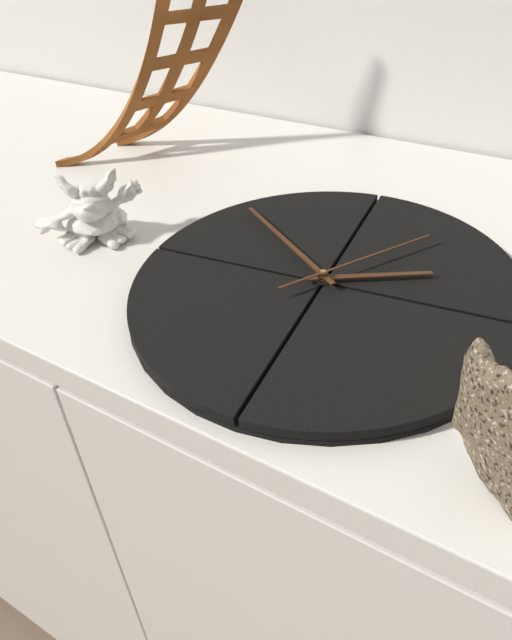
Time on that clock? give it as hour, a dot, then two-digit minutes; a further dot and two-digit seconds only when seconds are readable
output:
2.55.10
